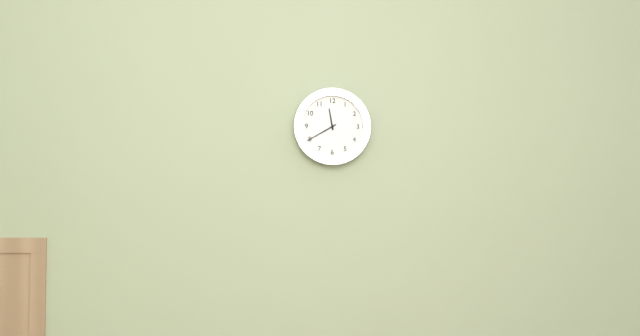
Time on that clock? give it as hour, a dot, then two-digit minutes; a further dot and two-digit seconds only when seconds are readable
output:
11.40
